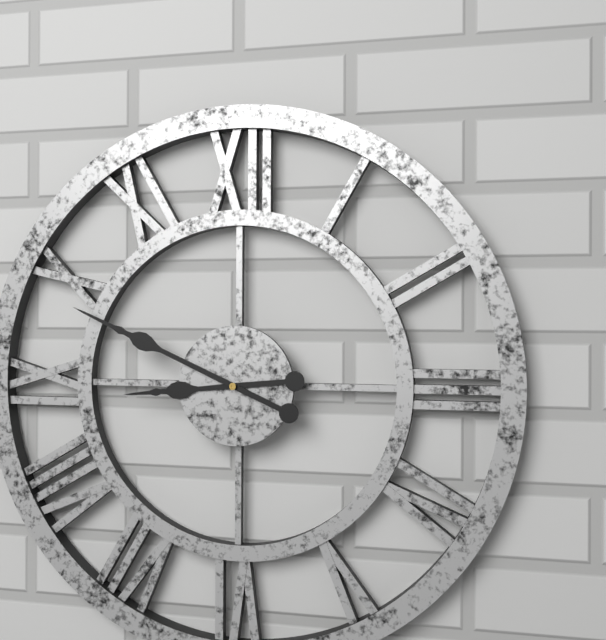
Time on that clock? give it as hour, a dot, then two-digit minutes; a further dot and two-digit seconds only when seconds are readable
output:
8.49
